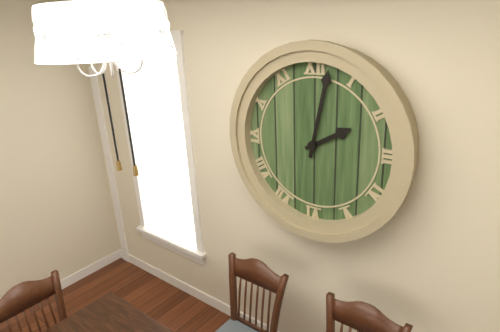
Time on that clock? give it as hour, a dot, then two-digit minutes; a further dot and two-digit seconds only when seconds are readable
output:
2.02
